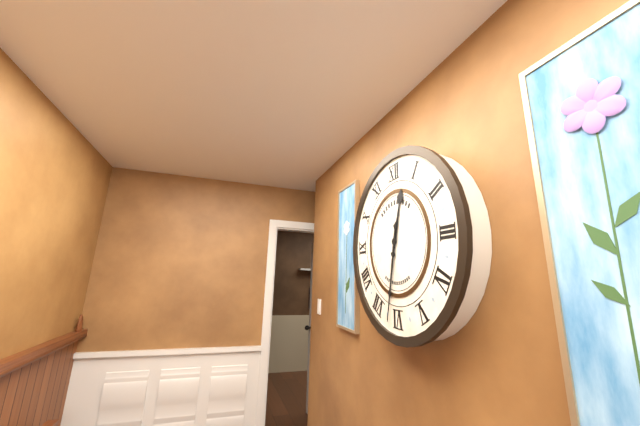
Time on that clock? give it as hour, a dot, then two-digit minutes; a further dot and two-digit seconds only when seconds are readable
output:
12.32
